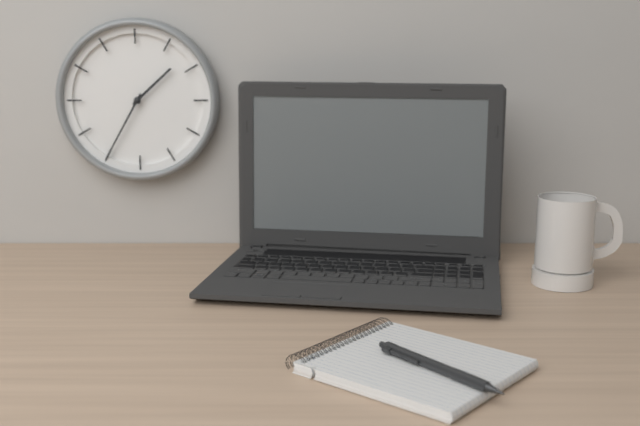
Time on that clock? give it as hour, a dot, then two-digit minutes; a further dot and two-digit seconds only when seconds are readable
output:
1.35
